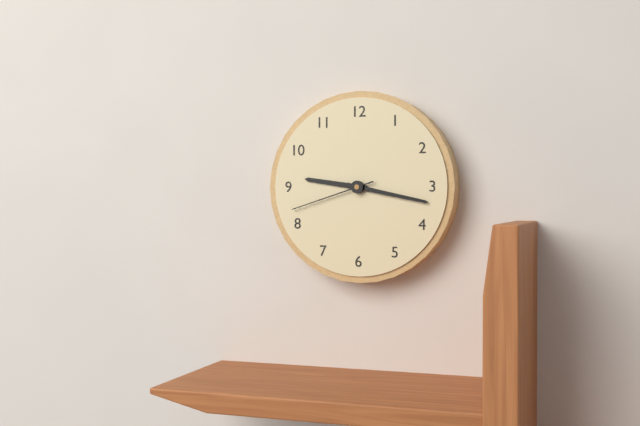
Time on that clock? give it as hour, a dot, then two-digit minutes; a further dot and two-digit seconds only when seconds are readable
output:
9.17.42
